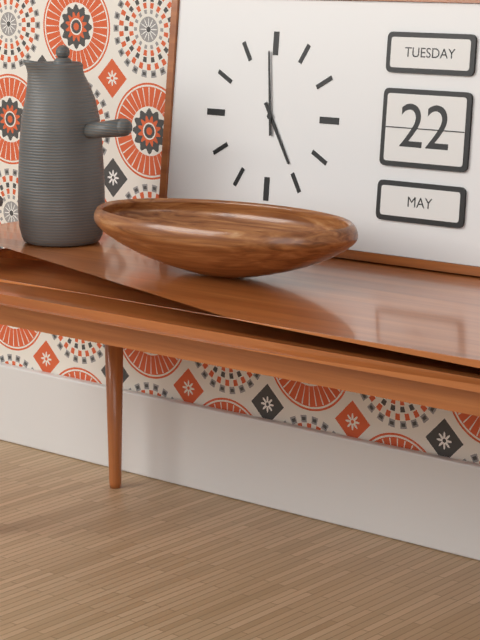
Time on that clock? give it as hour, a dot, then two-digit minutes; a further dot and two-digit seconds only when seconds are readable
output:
4.59
